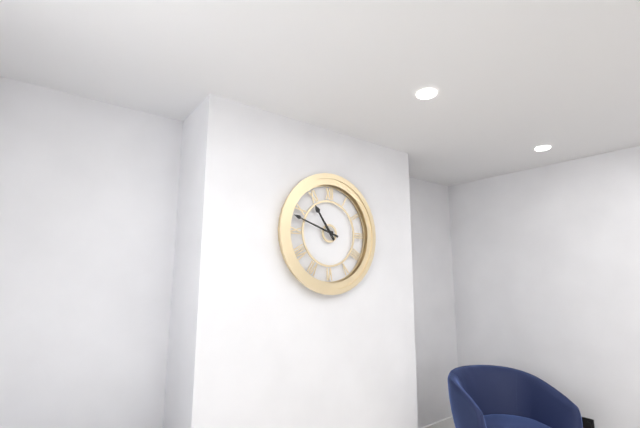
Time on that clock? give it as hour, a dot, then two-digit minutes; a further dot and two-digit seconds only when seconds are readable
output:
10.48
